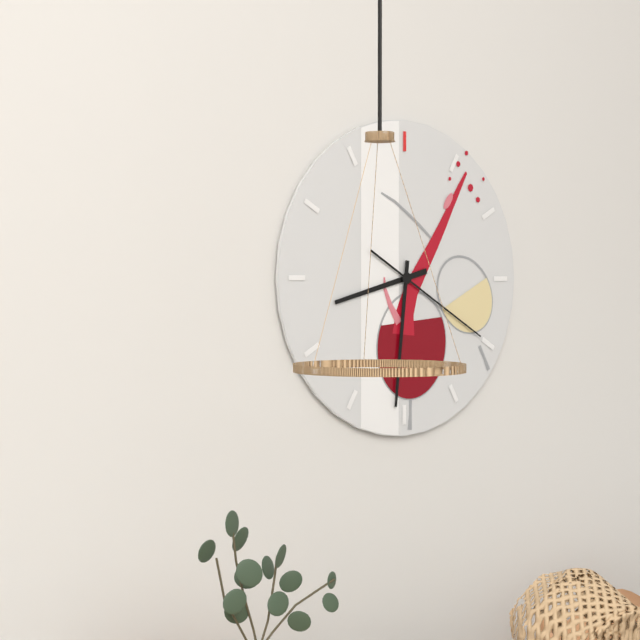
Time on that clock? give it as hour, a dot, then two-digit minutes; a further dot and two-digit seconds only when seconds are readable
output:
8.31.20
